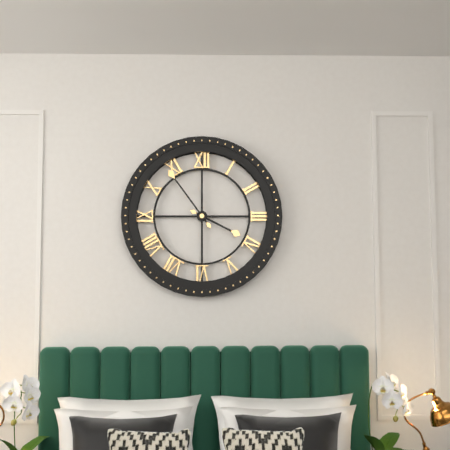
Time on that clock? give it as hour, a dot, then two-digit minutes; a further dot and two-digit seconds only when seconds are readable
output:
3.54
